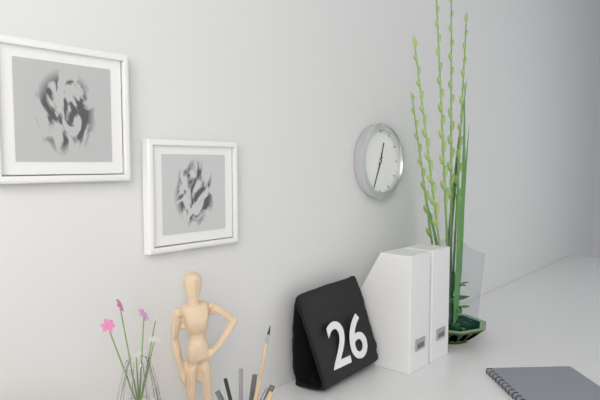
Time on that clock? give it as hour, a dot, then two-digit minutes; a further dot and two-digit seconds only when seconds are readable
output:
12.34
